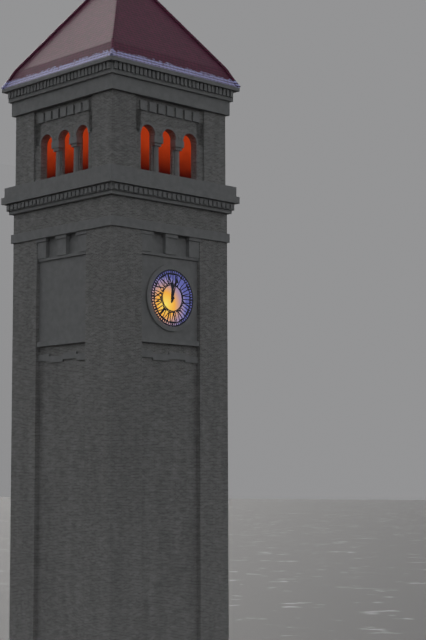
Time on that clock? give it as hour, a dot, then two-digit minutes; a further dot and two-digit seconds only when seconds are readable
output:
12.03
